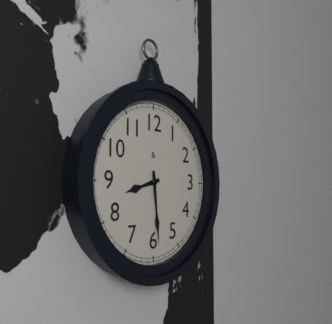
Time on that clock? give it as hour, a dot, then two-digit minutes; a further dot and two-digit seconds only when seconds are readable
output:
8.29
